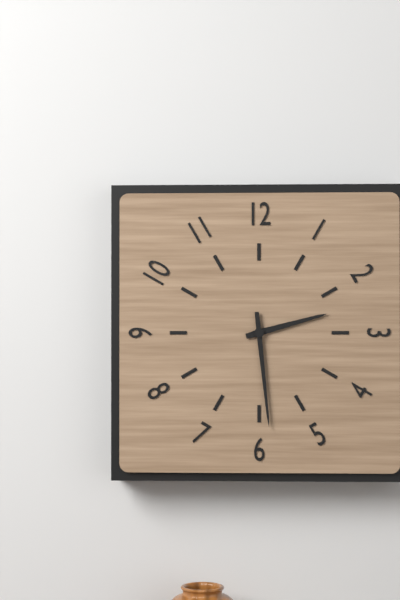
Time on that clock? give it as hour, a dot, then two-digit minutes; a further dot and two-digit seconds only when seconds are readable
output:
2.29
